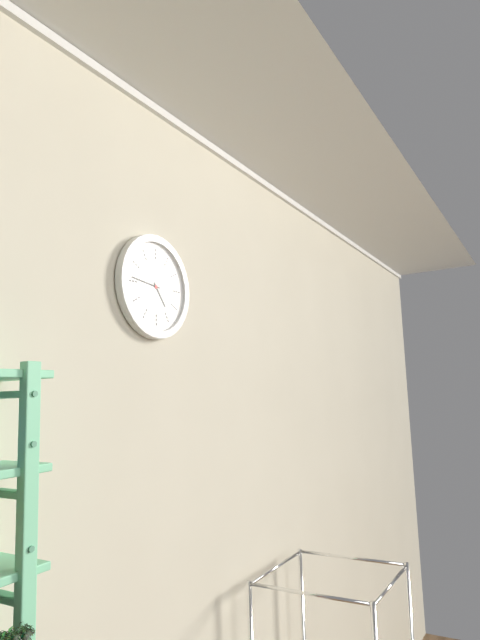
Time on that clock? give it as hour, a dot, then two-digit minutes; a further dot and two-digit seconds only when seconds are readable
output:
4.46
